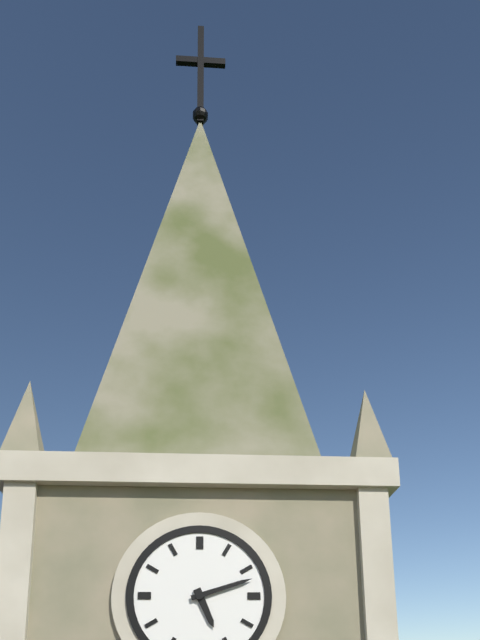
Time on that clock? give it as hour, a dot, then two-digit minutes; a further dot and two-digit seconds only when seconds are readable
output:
5.12
